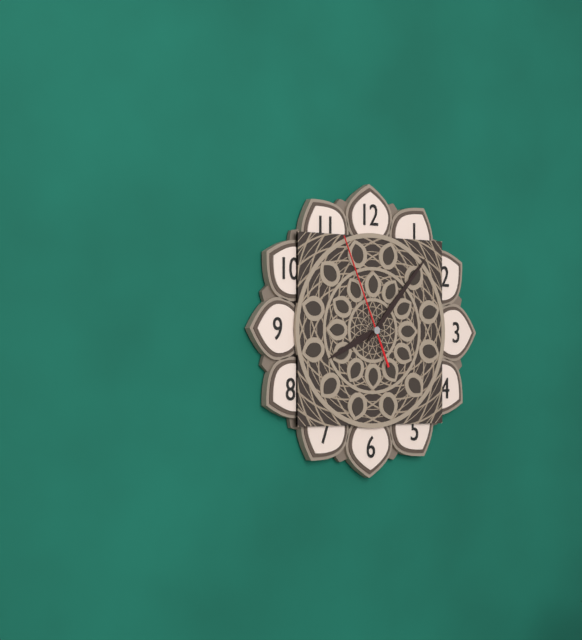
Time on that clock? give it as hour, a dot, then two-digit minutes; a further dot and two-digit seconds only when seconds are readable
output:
8.07.56
